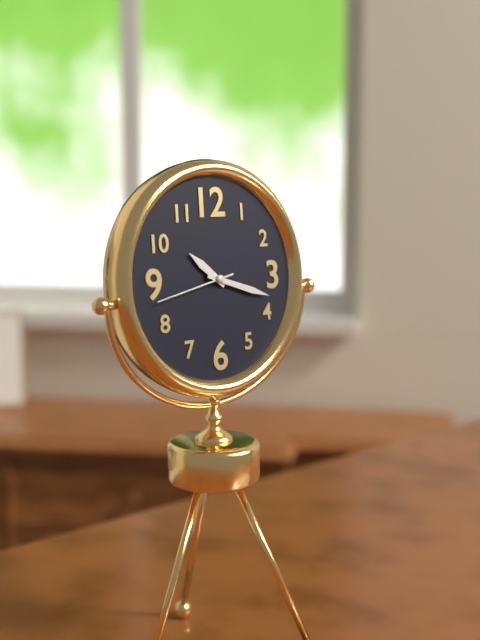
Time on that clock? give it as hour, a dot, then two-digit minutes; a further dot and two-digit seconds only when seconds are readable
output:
10.18.43
